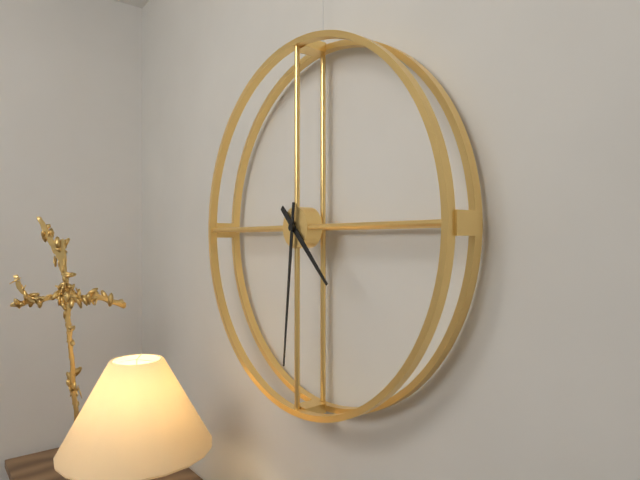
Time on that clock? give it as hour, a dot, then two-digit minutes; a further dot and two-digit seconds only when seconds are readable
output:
4.31
